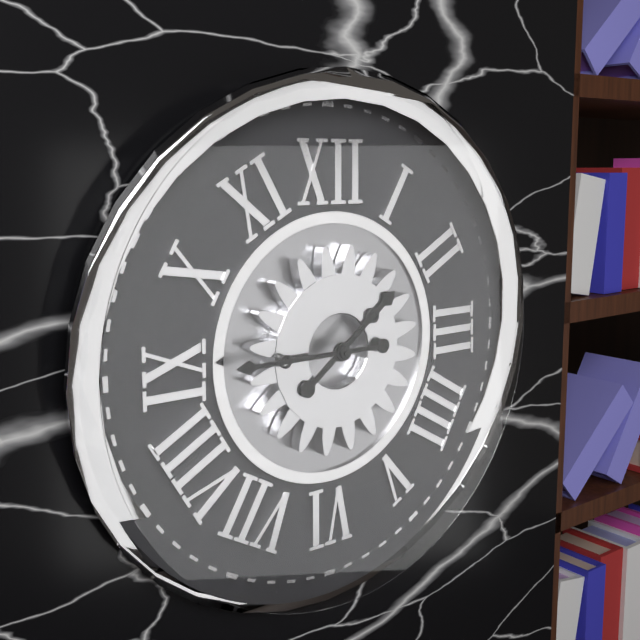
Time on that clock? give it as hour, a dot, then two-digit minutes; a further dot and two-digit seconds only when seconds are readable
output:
1.45
